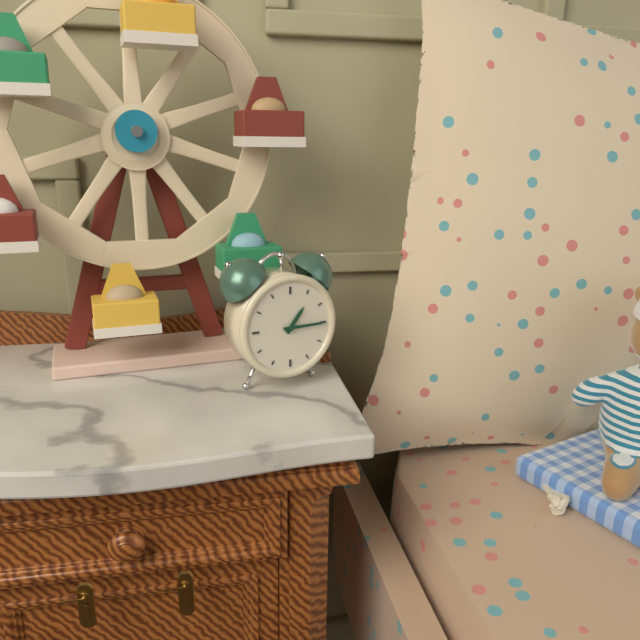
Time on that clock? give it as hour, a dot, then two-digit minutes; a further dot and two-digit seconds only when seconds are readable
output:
1.15
